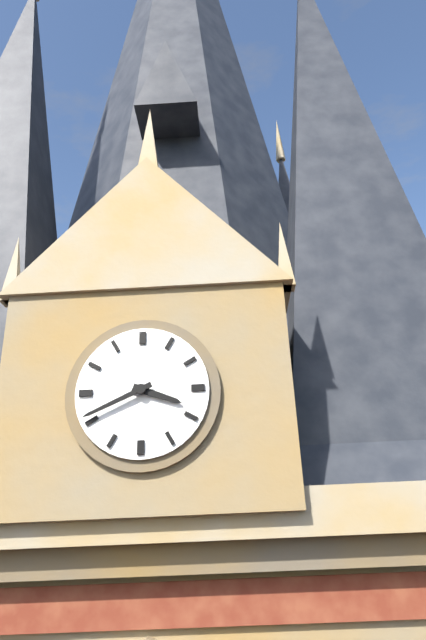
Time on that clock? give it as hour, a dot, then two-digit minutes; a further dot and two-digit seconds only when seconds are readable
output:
3.41
